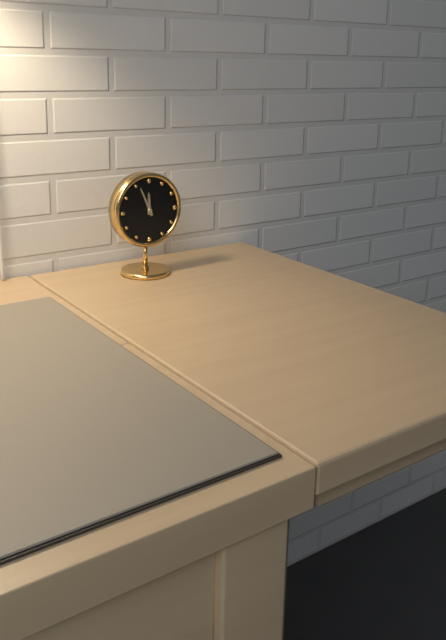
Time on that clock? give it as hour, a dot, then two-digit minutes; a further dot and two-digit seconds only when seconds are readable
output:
11.56
